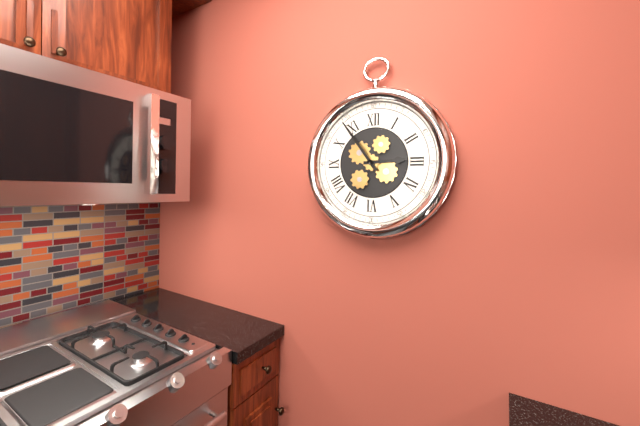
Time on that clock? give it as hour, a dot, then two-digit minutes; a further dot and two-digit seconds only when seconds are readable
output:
2.54
